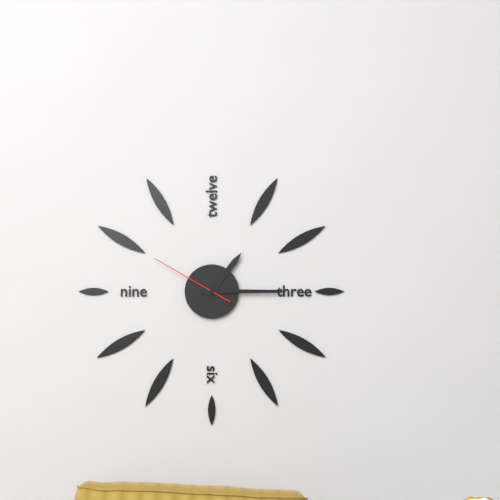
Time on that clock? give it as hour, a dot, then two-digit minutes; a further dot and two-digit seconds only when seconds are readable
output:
1.15.50
